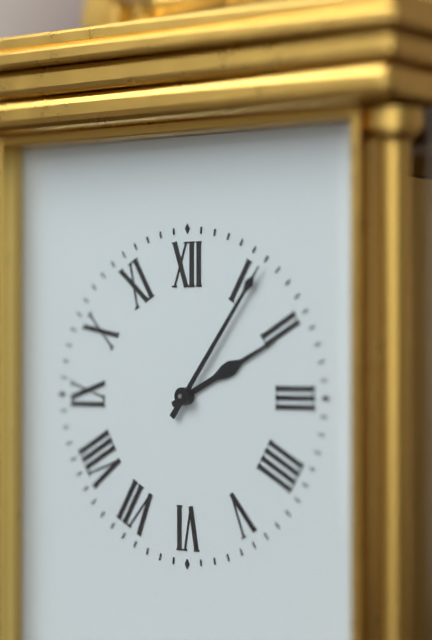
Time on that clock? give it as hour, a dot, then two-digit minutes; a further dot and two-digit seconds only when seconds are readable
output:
2.06
